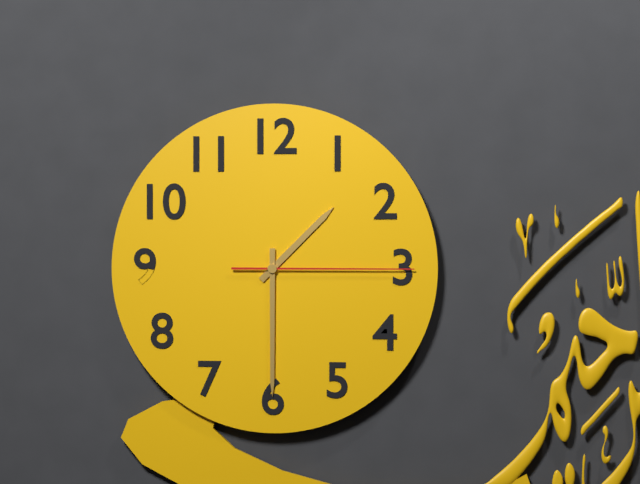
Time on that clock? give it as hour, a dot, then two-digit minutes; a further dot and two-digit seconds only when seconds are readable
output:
1.30.15
